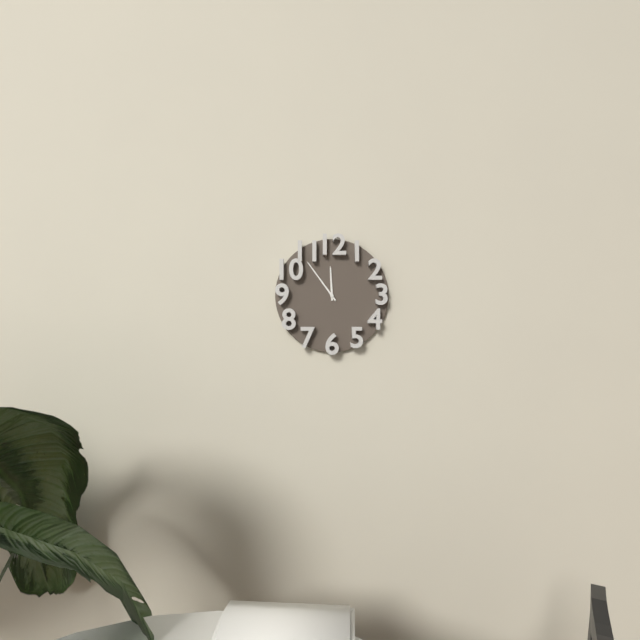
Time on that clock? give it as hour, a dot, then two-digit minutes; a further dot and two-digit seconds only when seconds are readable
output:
11.54
